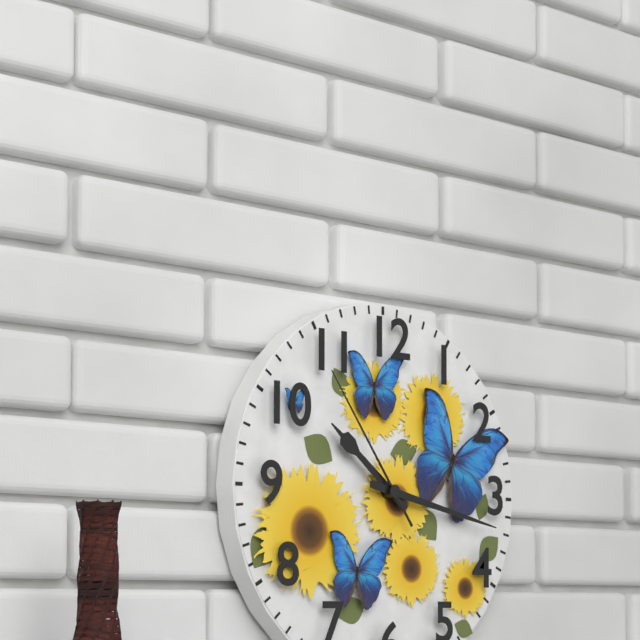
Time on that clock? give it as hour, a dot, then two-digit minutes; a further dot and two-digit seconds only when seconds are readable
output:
10.17.54
